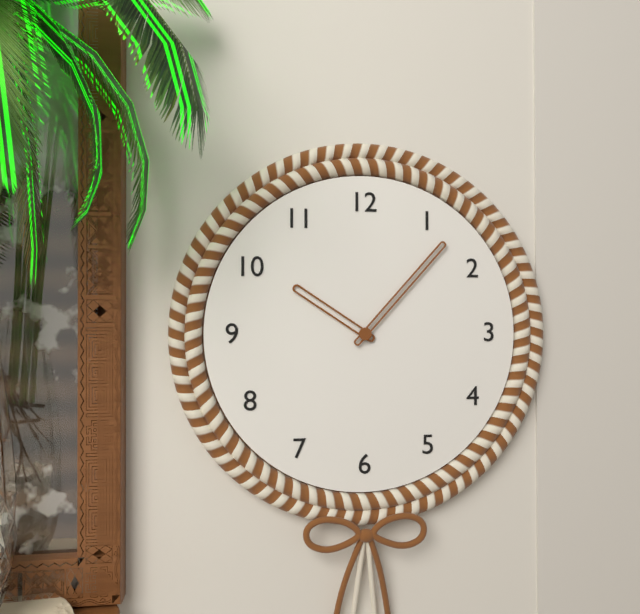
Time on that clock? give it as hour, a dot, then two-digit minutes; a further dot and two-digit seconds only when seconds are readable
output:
10.07
